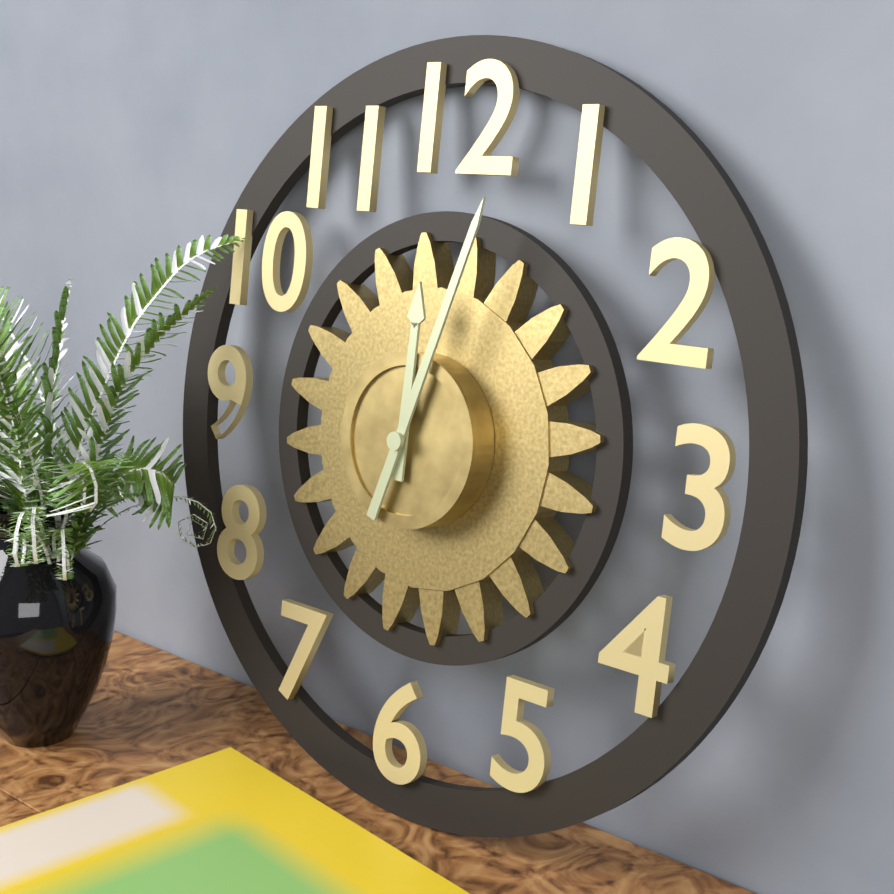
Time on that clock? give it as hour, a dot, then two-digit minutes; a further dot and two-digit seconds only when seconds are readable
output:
12.03
